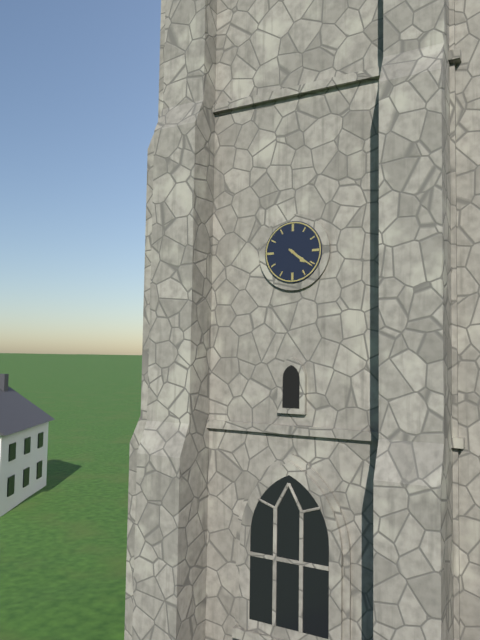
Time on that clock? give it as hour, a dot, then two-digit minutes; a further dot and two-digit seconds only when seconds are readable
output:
4.21
